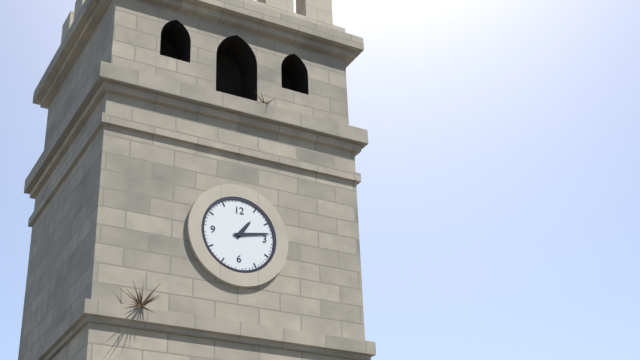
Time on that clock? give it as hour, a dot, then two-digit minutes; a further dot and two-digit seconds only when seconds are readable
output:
1.13
